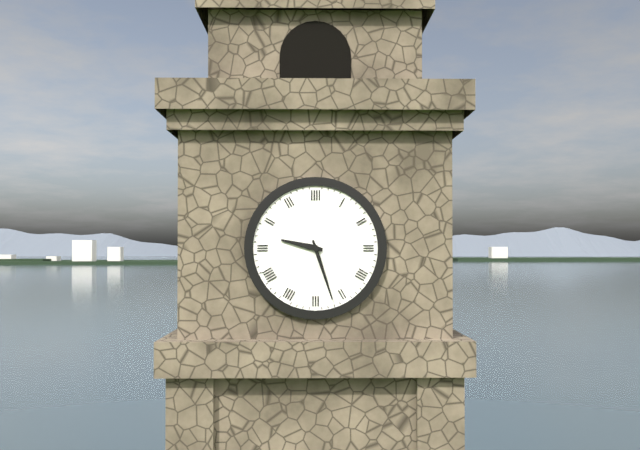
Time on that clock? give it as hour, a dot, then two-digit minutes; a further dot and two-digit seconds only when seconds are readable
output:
9.27
